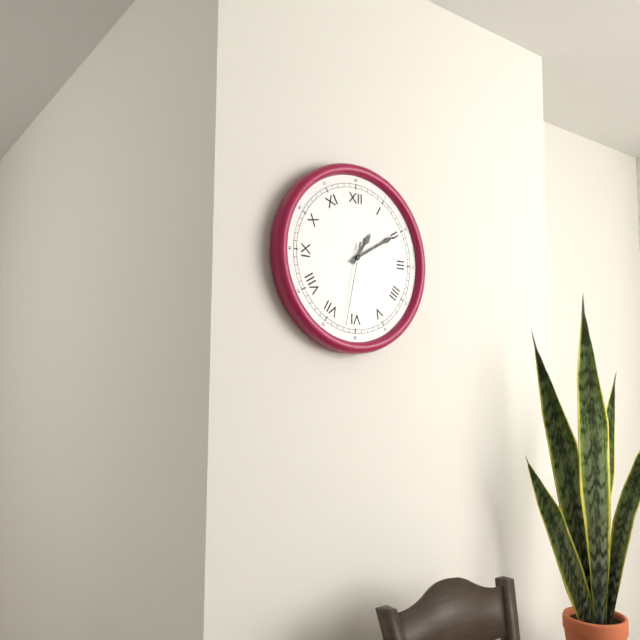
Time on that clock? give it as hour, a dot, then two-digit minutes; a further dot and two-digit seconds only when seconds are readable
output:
1.10.32
